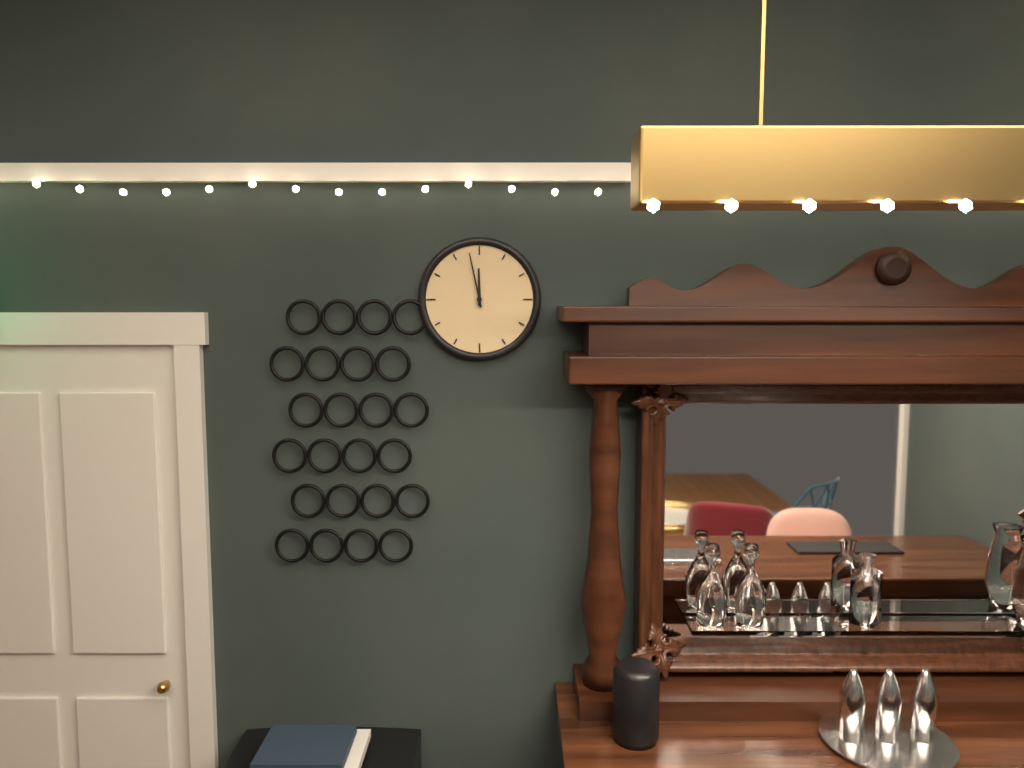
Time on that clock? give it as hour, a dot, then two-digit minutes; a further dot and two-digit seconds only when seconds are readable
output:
11.58
